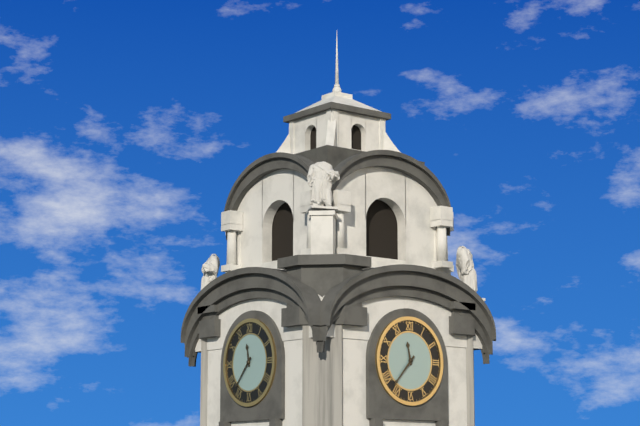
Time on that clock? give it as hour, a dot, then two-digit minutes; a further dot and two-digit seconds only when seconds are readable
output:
11.37
